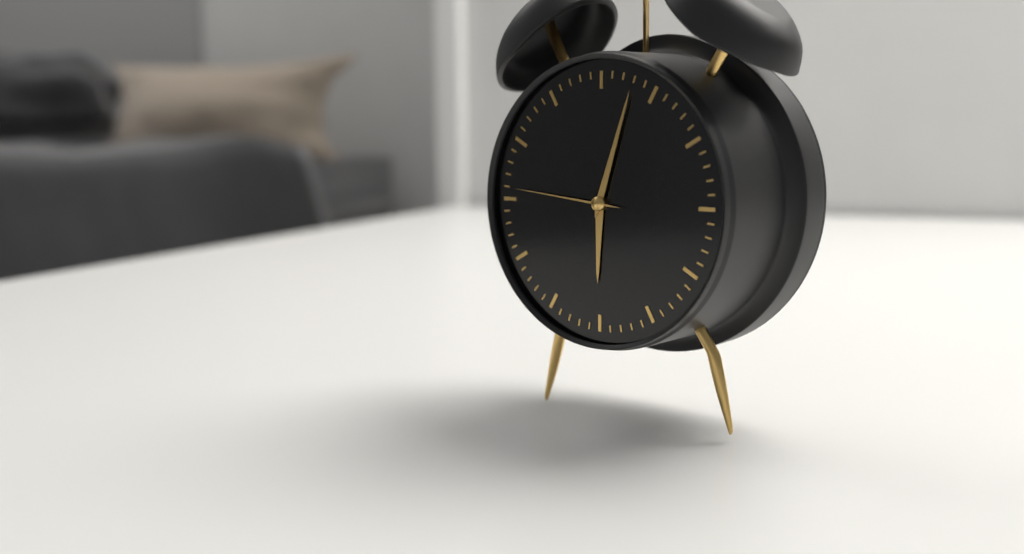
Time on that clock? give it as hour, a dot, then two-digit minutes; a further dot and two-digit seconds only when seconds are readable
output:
6.03.46
